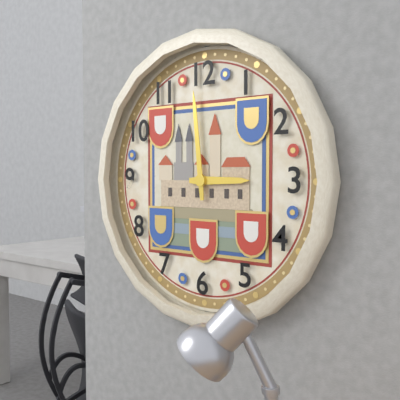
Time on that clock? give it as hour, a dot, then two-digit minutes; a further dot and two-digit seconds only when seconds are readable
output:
2.59
